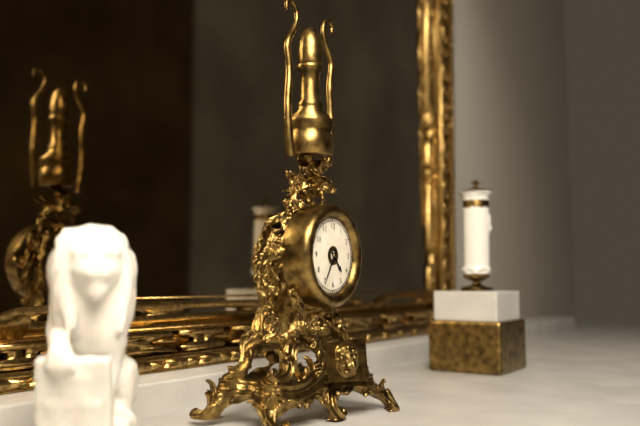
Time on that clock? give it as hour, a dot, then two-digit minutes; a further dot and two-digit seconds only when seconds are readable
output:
4.35
